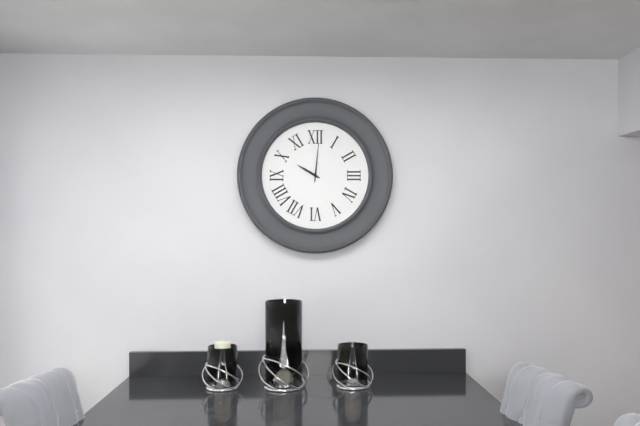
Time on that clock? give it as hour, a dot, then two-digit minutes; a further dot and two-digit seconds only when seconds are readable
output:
10.01
